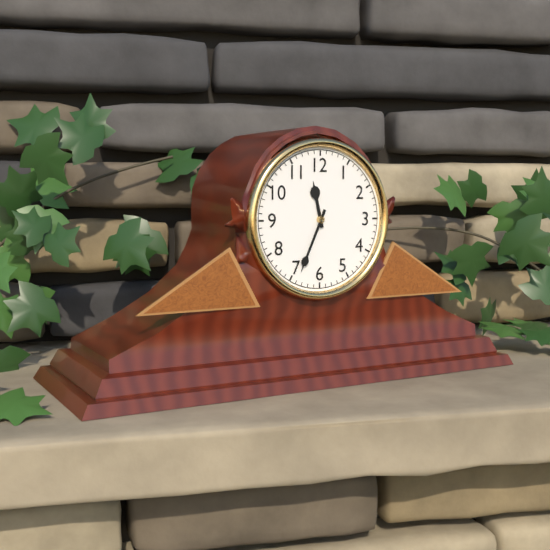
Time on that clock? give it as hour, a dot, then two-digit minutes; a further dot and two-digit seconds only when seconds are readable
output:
11.34
